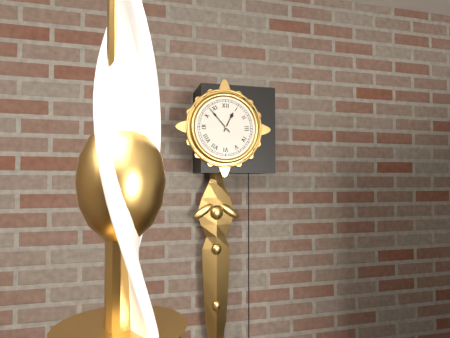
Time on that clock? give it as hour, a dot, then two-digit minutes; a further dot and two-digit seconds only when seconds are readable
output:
12.53
